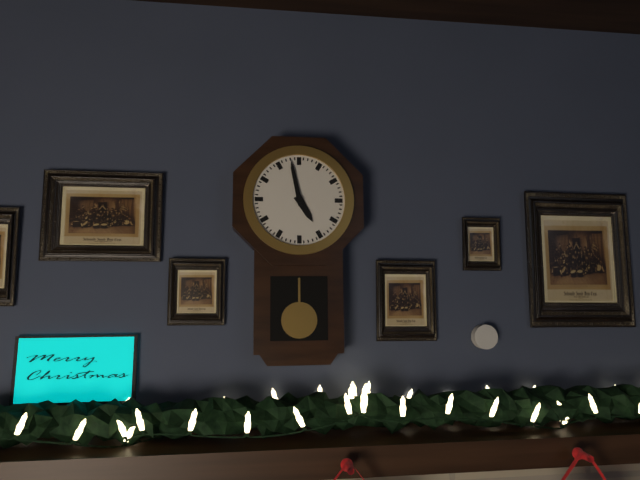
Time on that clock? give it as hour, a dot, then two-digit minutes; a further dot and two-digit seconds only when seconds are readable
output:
4.58
